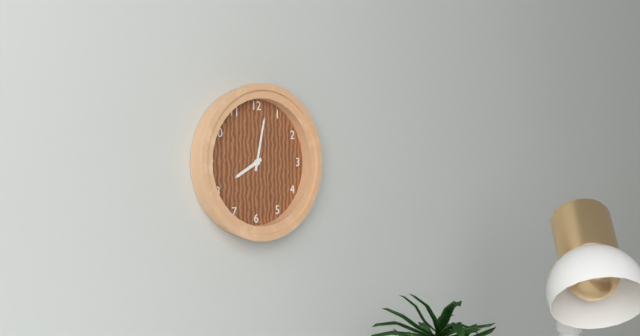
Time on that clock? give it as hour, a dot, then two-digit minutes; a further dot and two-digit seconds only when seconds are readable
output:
8.02
